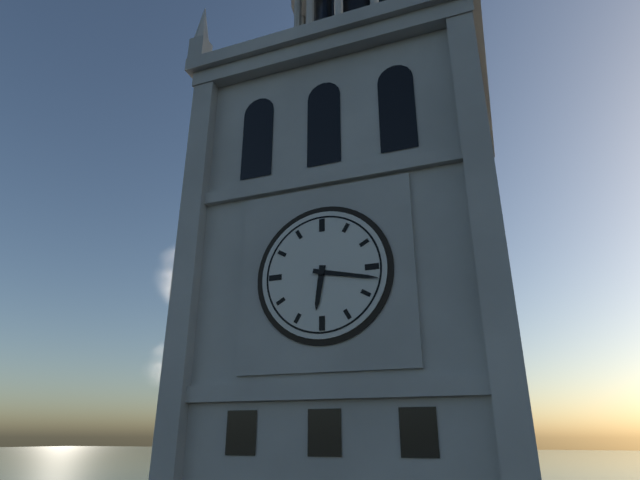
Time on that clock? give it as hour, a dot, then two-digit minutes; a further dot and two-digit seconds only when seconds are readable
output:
6.17
